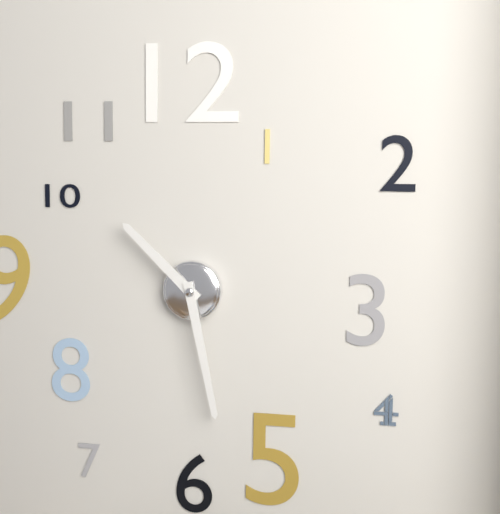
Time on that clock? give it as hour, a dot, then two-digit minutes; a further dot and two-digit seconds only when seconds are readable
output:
10.28
